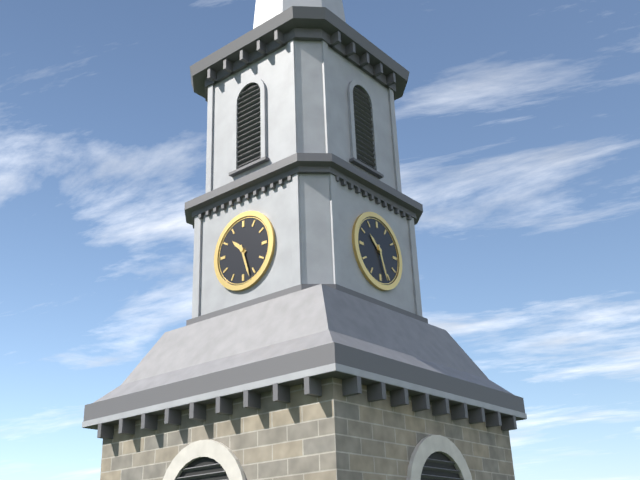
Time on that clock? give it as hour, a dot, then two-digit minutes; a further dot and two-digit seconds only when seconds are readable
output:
10.27
